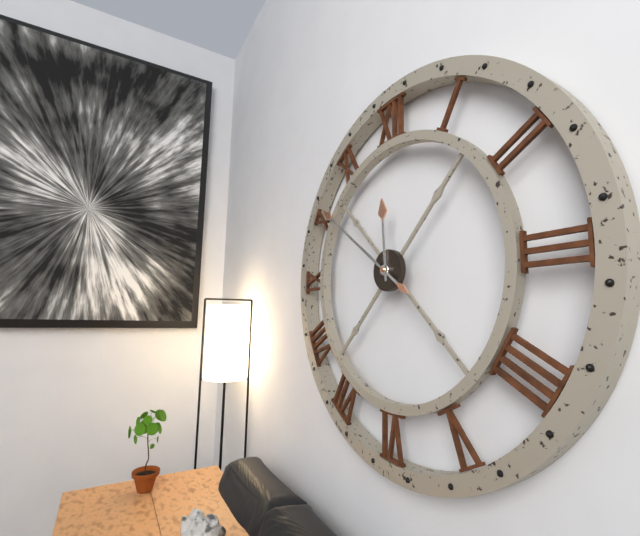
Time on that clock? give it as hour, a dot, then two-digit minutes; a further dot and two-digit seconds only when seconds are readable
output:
11.51
